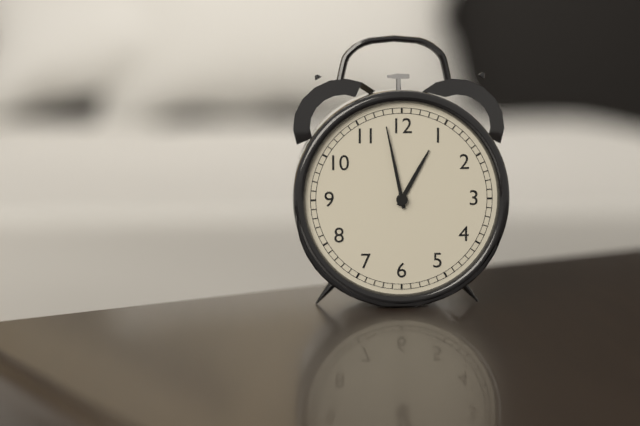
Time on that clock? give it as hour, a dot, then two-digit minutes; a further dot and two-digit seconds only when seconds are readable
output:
12.58
